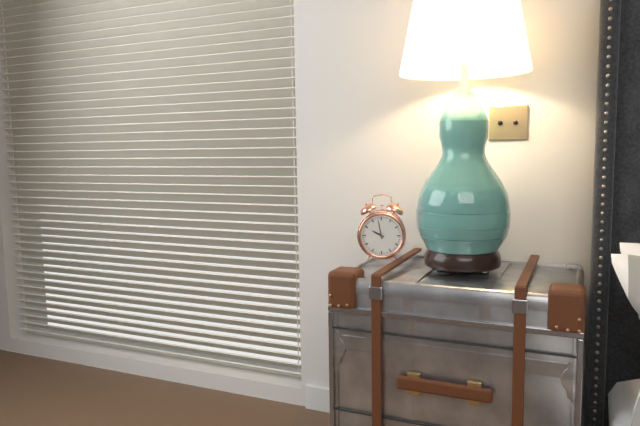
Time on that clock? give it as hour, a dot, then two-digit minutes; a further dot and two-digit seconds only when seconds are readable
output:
9.58
